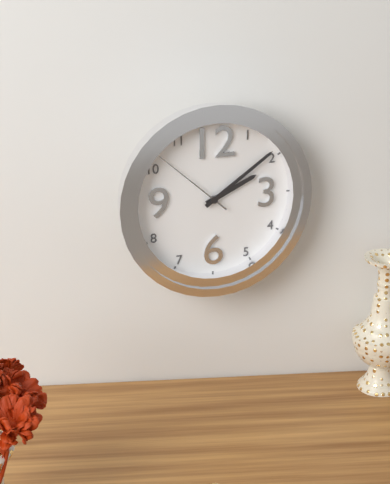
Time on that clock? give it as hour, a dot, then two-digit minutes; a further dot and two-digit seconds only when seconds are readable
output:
2.09.52
